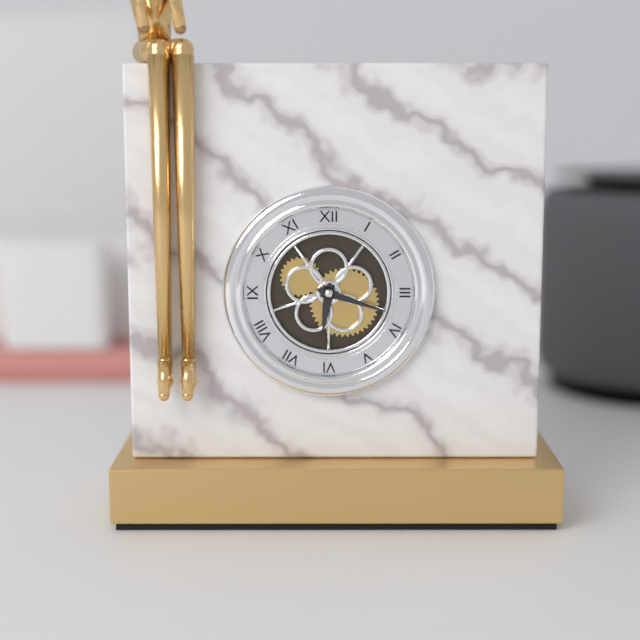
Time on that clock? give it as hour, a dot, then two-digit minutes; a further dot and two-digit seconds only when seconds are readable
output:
6.18
